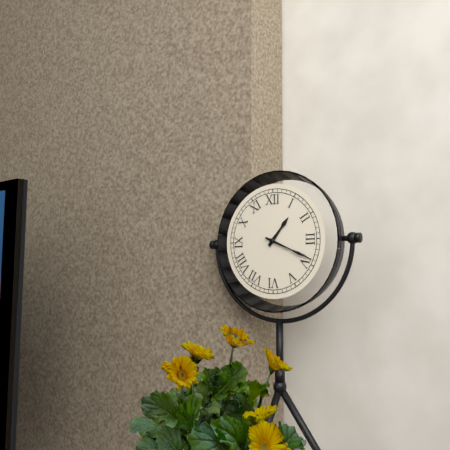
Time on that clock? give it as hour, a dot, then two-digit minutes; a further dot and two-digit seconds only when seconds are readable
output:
1.19
